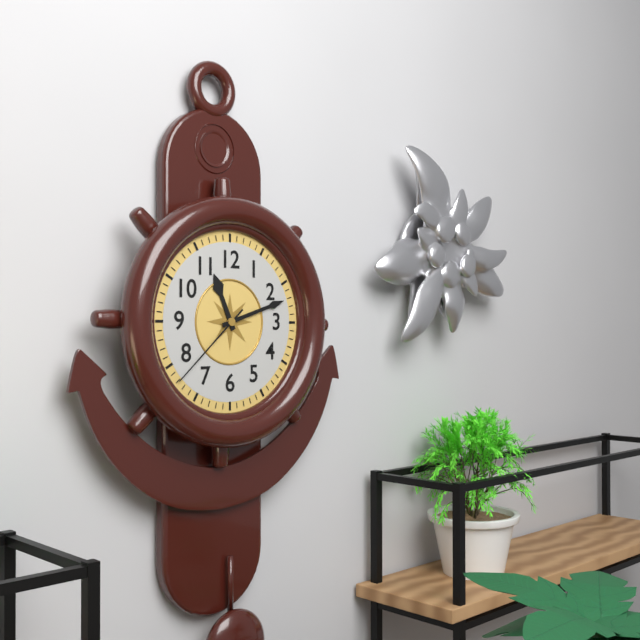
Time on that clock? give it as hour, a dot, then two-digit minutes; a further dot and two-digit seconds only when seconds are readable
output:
11.12.38
